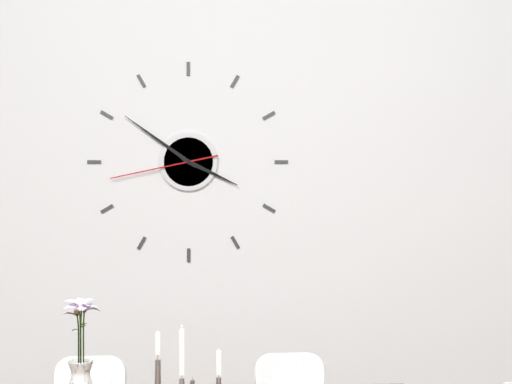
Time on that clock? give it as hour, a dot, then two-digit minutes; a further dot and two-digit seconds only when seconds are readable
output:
3.51.43
